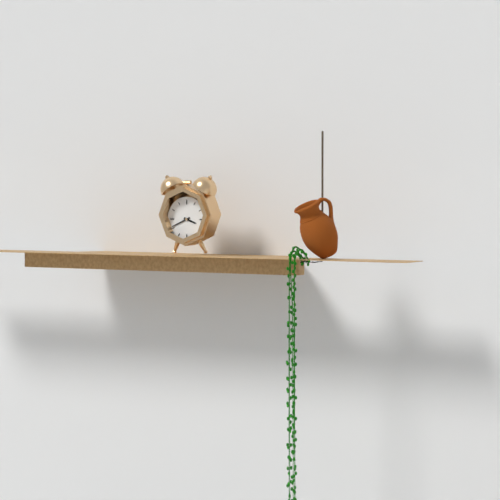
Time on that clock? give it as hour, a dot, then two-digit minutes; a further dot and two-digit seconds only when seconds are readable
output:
3.41
